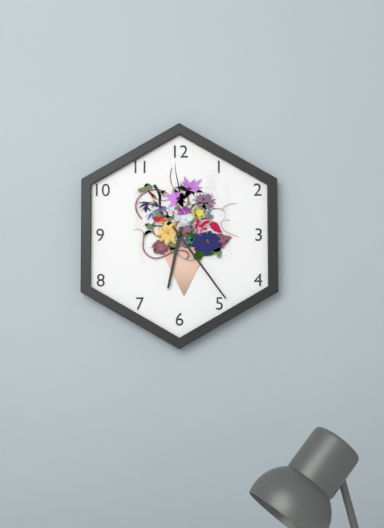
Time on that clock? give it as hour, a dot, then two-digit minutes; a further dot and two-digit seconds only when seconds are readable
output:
6.24
